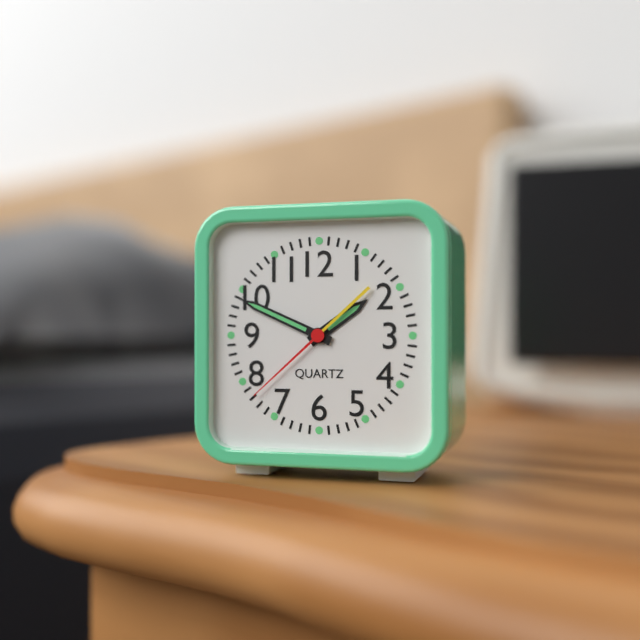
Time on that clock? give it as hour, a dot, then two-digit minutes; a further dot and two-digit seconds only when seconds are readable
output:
1.49.38
